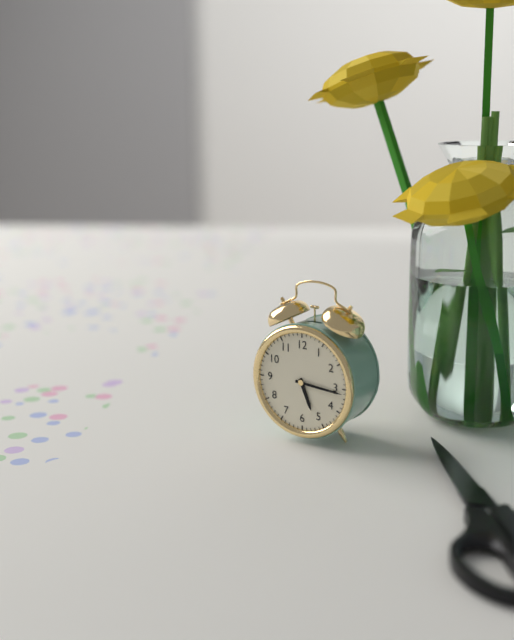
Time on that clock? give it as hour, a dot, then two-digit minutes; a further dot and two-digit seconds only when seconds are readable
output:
5.16
